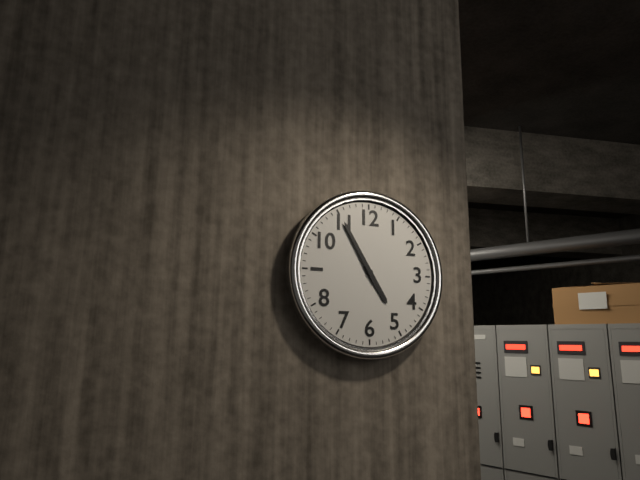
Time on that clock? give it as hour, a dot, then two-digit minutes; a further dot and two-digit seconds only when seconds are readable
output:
4.55
